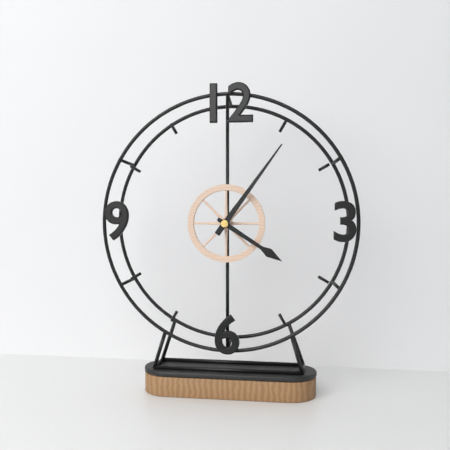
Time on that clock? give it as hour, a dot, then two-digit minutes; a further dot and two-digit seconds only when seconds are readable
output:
4.06
